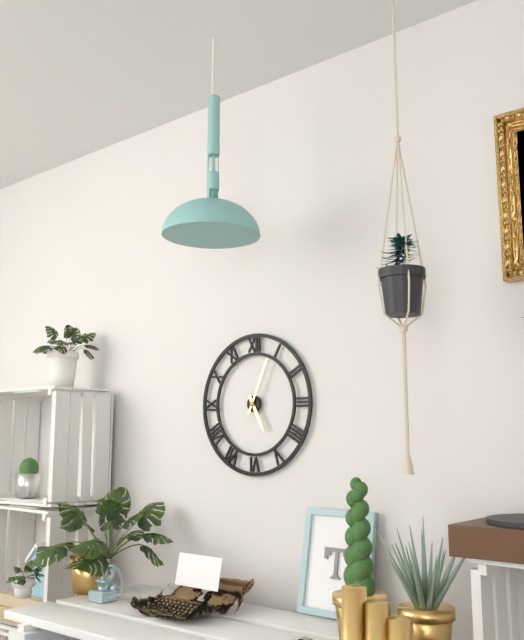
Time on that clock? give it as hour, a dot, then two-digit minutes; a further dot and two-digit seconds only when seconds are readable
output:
5.04
